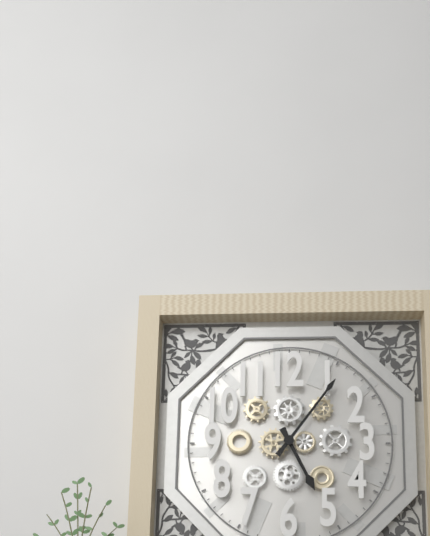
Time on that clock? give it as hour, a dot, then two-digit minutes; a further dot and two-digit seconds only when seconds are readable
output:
5.06
